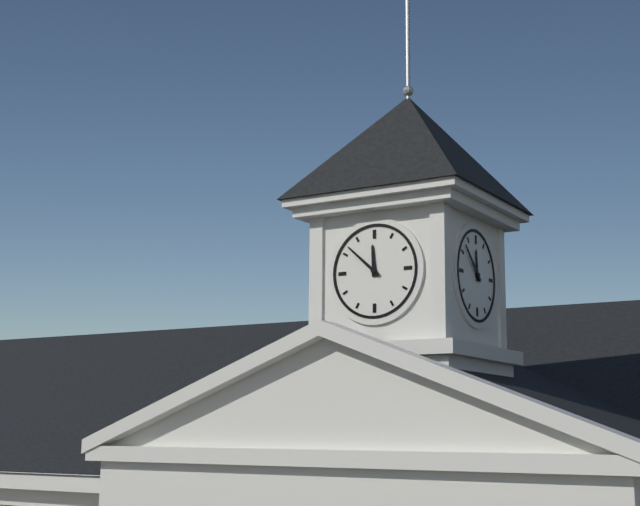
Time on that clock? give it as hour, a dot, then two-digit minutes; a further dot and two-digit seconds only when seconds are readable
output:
11.52
